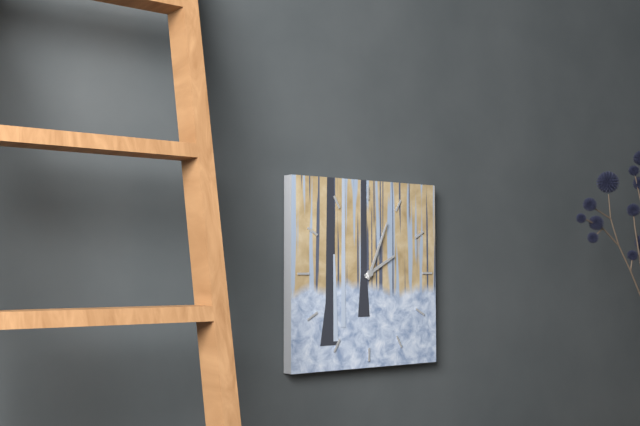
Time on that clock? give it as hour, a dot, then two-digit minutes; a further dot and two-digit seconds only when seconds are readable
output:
2.04
